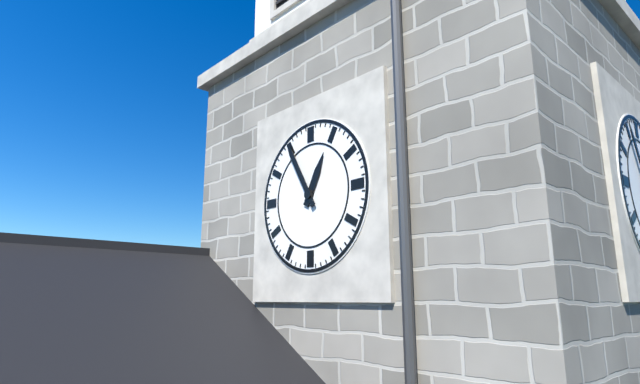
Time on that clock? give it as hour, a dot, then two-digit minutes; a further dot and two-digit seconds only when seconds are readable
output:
12.55
